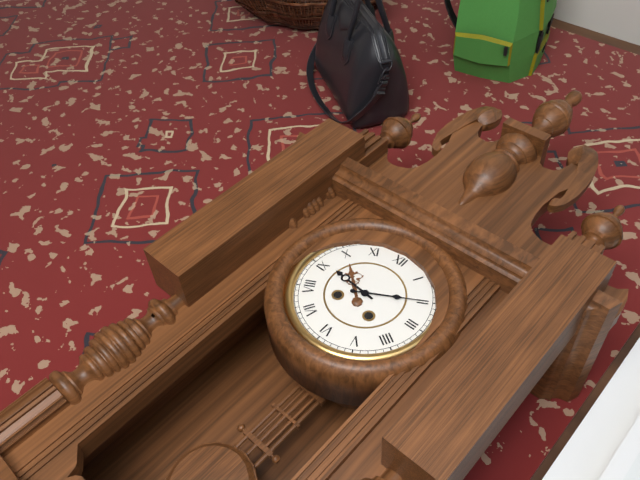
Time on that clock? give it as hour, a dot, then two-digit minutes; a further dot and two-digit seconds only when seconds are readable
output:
9.10
